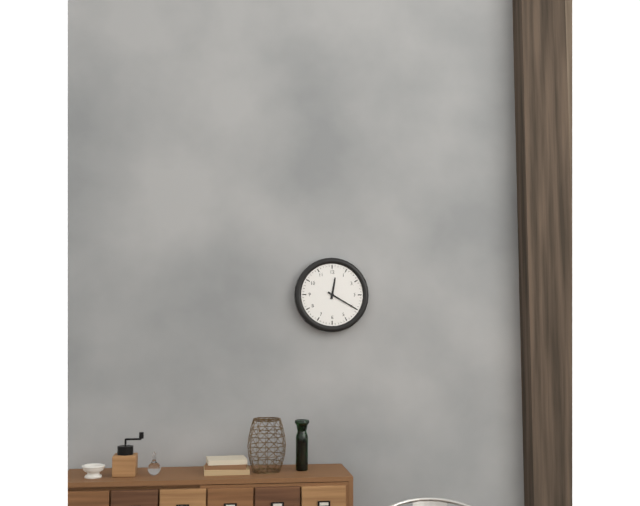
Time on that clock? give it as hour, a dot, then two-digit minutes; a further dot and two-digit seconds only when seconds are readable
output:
12.20
